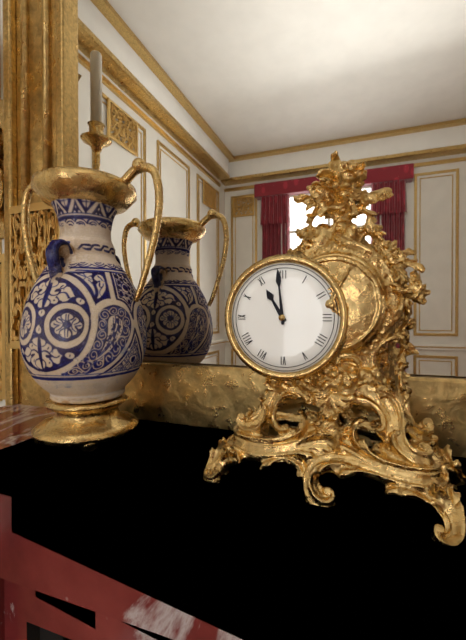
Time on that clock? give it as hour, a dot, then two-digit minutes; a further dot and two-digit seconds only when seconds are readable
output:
10.59
